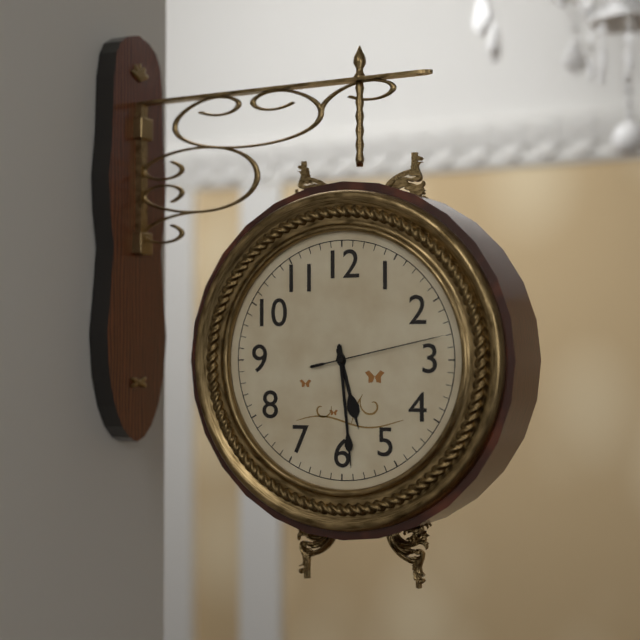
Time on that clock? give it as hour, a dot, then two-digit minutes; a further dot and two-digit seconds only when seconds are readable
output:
5.29.13
